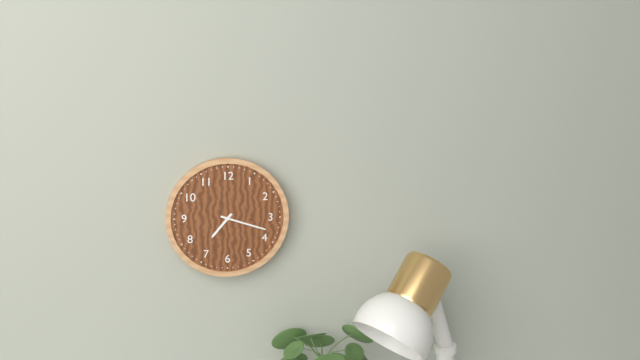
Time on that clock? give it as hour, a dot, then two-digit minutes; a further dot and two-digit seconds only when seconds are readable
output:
7.18
